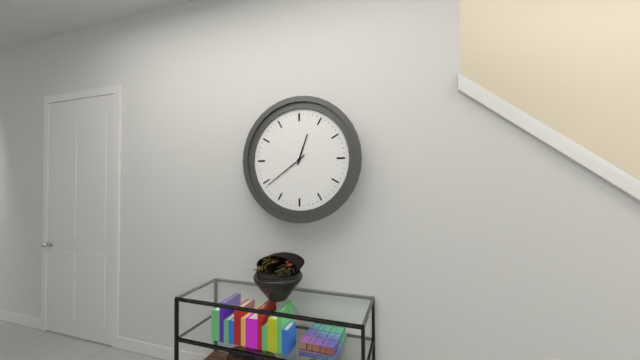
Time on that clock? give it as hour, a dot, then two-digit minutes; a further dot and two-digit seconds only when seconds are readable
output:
12.39
